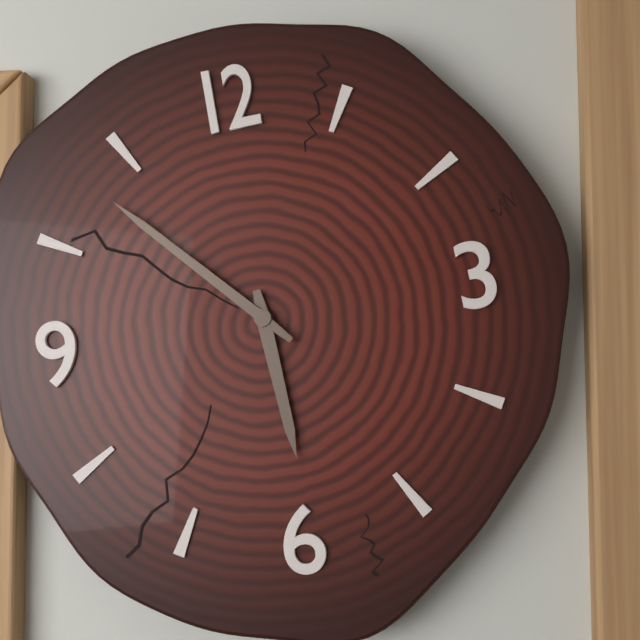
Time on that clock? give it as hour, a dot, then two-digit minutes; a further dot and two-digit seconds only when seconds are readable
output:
5.53
